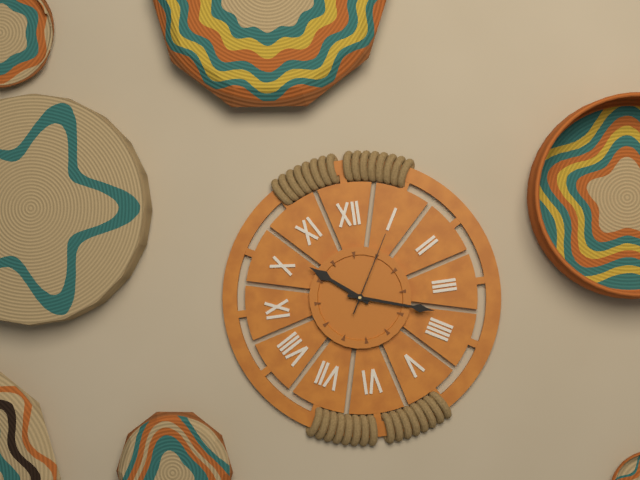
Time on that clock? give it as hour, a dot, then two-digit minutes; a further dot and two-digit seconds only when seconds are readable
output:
10.18.05
